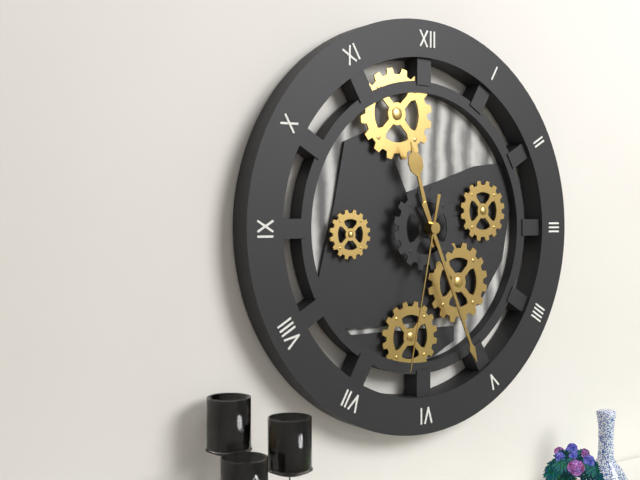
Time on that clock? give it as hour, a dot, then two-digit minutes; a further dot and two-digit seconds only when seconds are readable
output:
11.26.32
